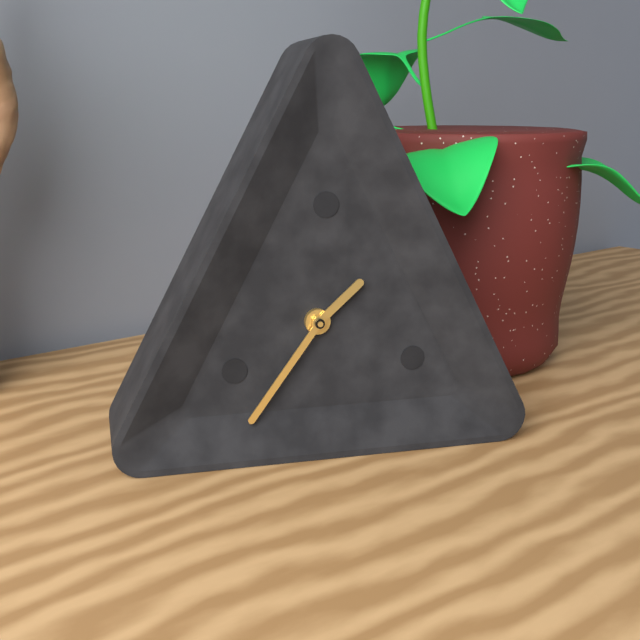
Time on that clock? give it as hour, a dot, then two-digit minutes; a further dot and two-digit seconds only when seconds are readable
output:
1.36
